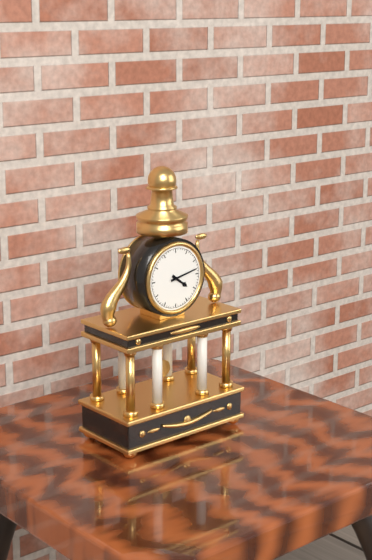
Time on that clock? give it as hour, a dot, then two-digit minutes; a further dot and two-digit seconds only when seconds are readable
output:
4.13
